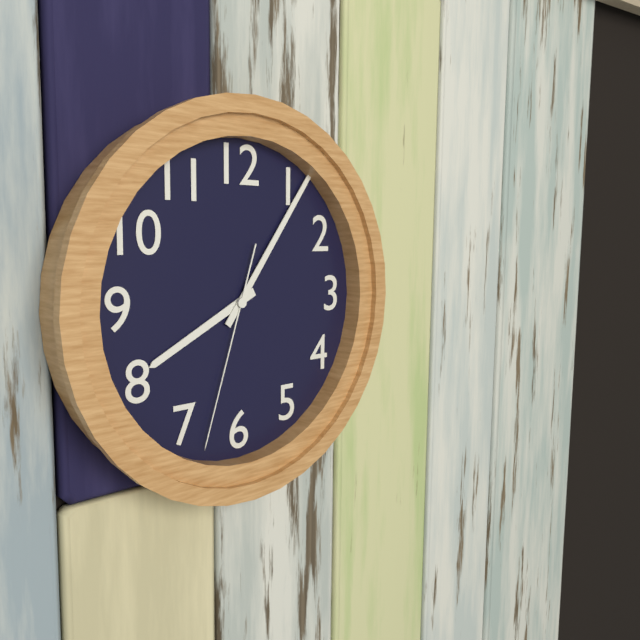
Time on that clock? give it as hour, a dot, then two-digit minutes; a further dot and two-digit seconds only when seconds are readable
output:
8.06.33
